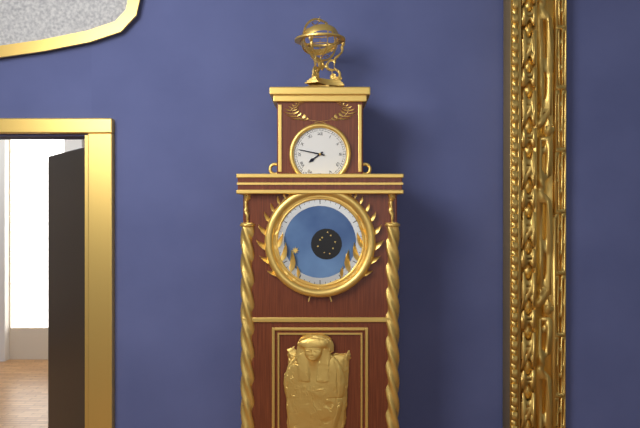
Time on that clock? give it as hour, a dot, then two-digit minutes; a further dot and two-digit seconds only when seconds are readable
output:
7.47
